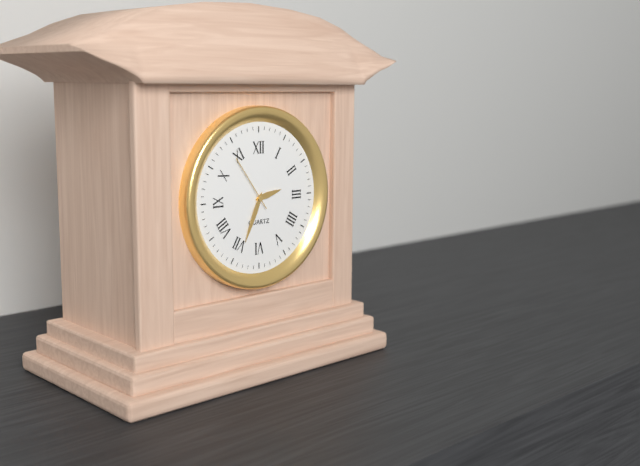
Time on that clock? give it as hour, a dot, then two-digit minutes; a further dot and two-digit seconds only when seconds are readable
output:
2.34.54
